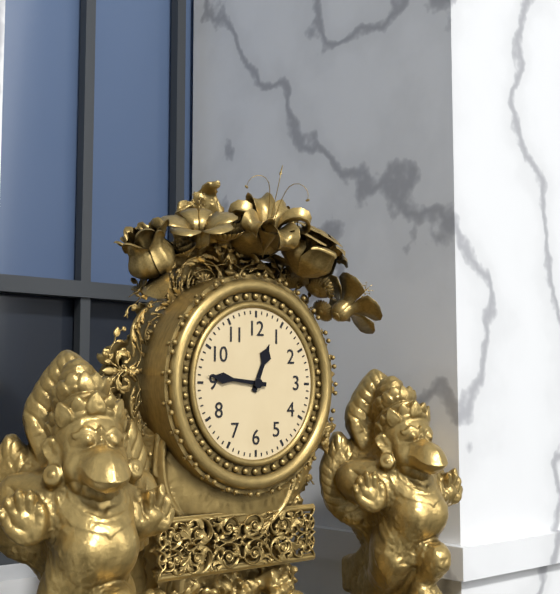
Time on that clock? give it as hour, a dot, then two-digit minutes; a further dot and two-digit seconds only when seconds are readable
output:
12.46
